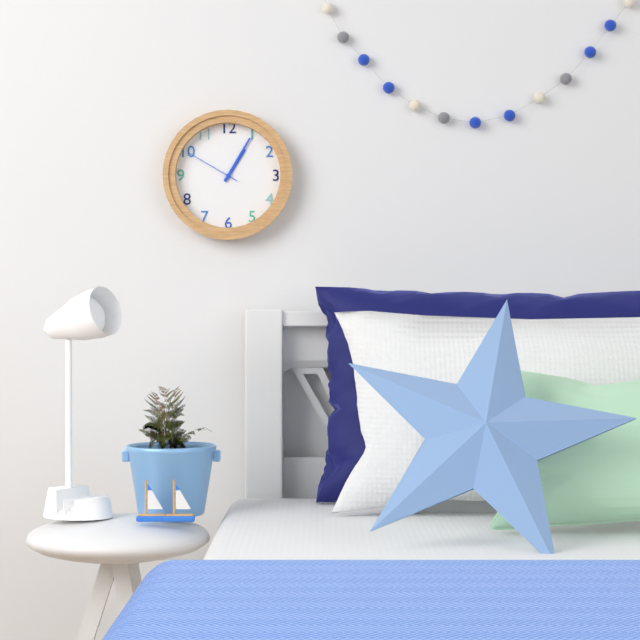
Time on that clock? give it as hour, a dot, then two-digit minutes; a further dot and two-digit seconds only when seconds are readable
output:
1.05.50
